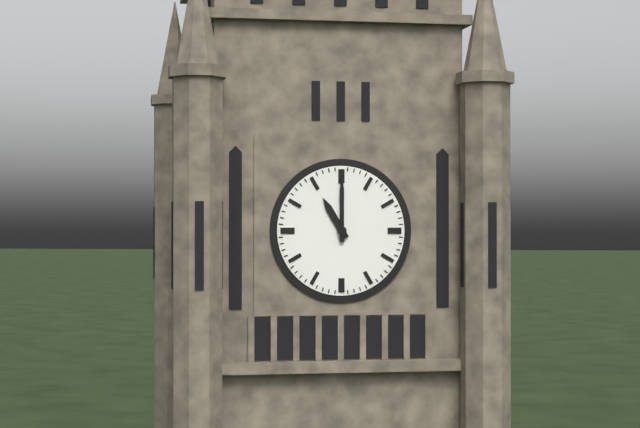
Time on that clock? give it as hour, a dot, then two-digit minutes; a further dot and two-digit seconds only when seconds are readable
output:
11.00
